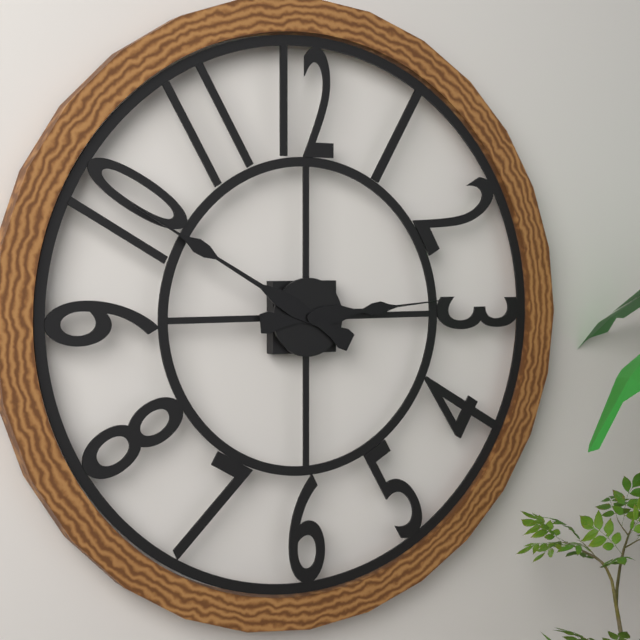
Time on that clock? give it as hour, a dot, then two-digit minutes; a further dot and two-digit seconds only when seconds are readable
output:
2.50
